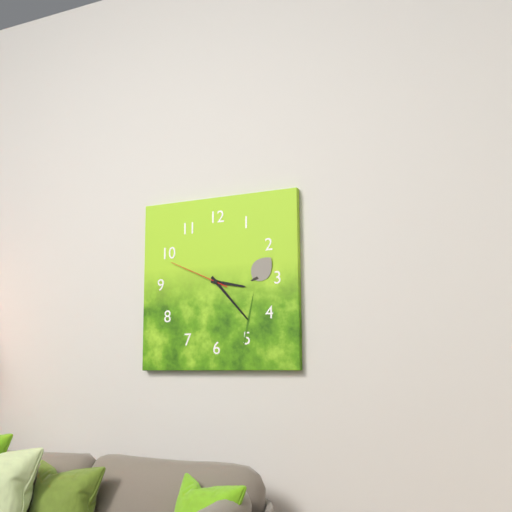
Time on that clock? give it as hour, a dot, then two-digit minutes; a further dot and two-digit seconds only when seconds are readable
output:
3.23.49
